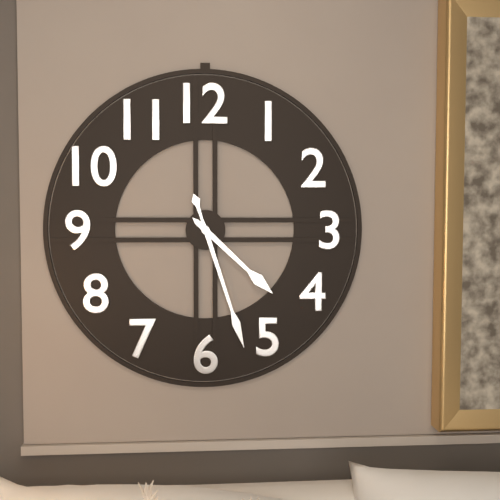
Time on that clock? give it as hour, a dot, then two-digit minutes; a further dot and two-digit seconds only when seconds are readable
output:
4.27
